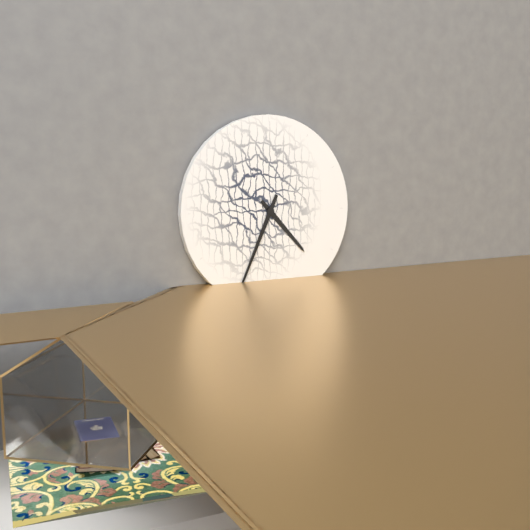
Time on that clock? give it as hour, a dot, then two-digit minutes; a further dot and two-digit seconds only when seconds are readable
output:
4.34
